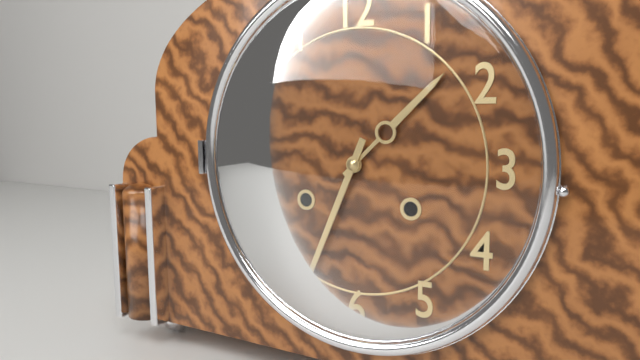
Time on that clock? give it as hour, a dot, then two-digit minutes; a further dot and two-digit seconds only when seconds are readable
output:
1.34
